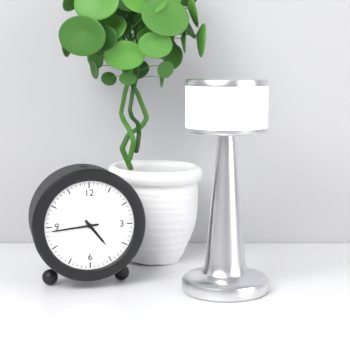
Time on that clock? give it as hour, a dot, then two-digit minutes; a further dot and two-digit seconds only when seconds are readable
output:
4.44
